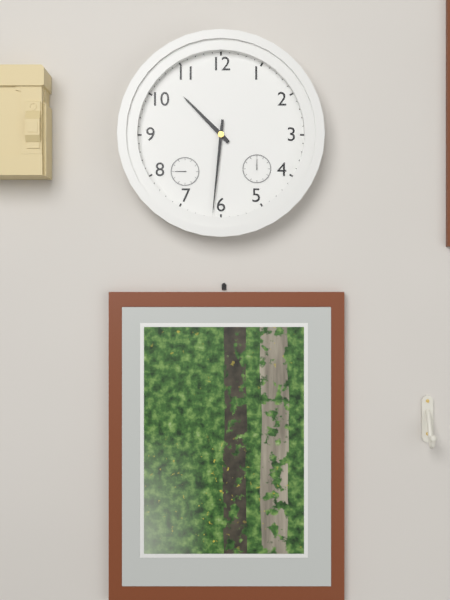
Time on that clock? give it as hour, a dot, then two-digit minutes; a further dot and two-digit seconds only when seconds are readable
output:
10.31
